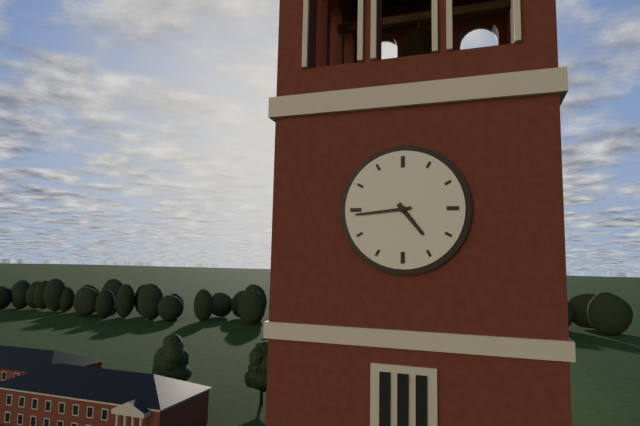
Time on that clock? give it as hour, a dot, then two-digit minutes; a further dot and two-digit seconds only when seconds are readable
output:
4.44
